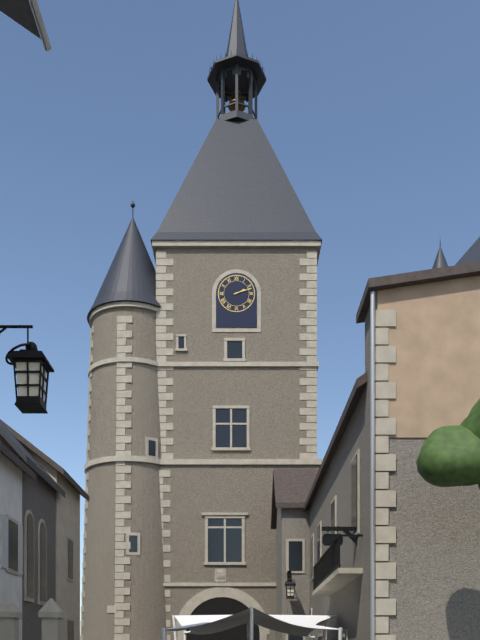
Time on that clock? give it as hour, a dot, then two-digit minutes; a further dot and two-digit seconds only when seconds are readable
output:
2.12
